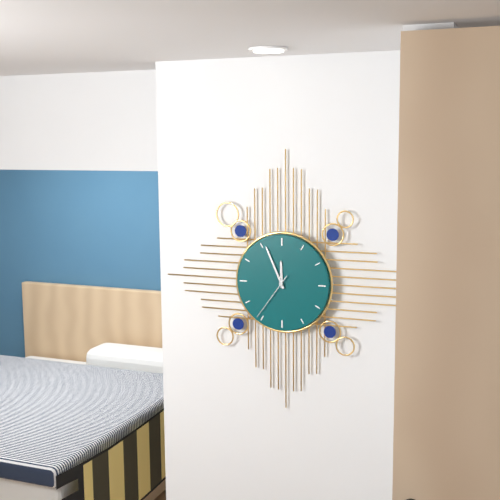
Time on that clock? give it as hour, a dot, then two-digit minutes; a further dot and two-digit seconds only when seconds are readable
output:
11.56.36
